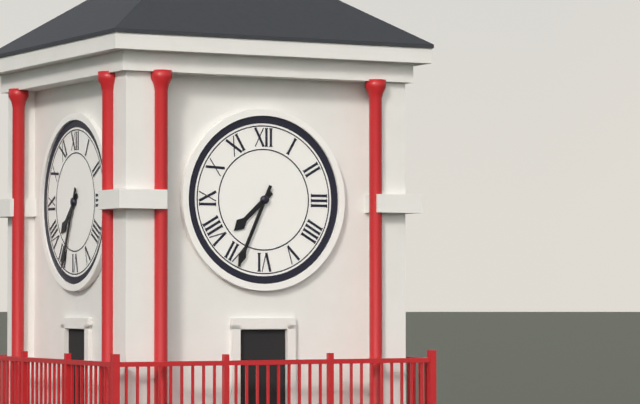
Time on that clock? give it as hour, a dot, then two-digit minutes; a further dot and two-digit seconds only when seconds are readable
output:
7.34
